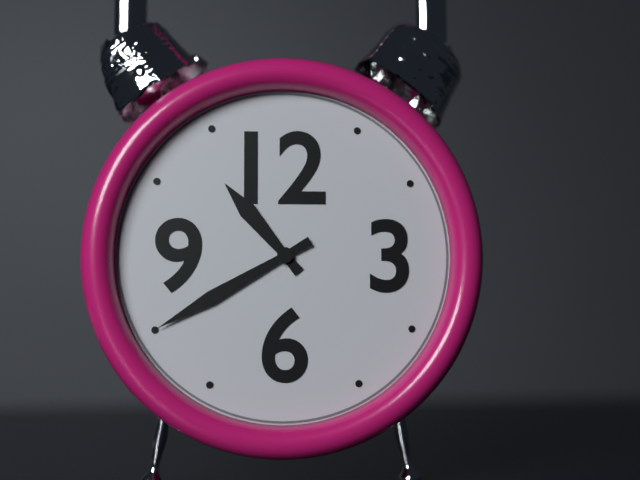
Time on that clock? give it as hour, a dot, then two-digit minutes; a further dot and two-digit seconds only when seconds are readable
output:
10.40
